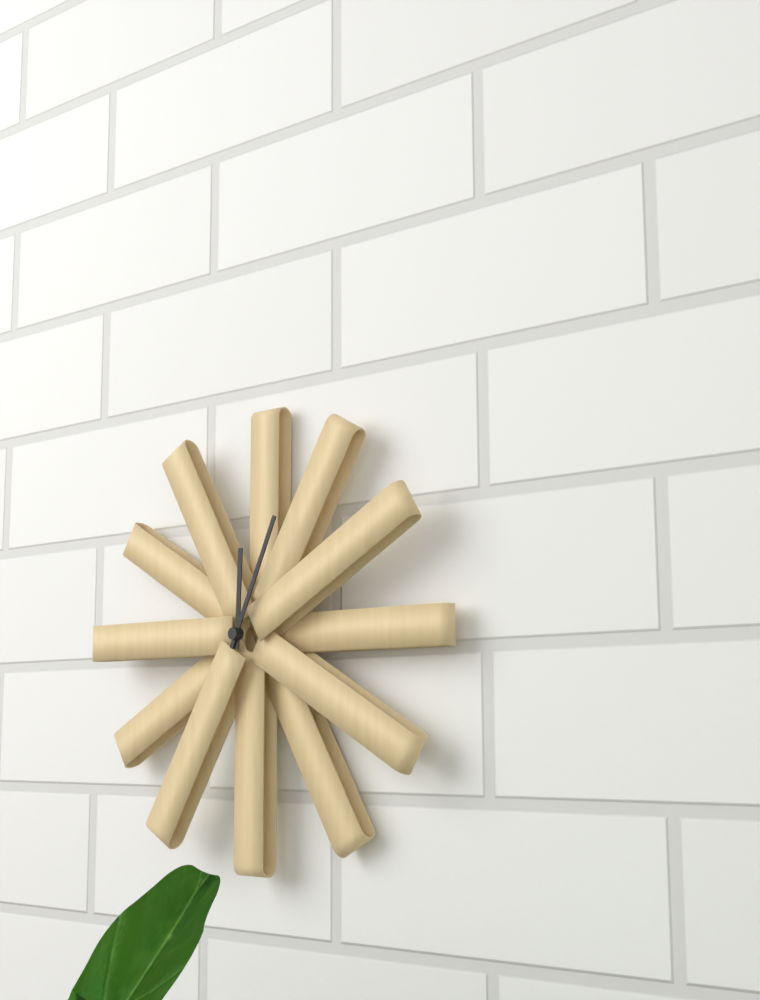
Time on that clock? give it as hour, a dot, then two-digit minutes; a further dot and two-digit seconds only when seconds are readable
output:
12.04
